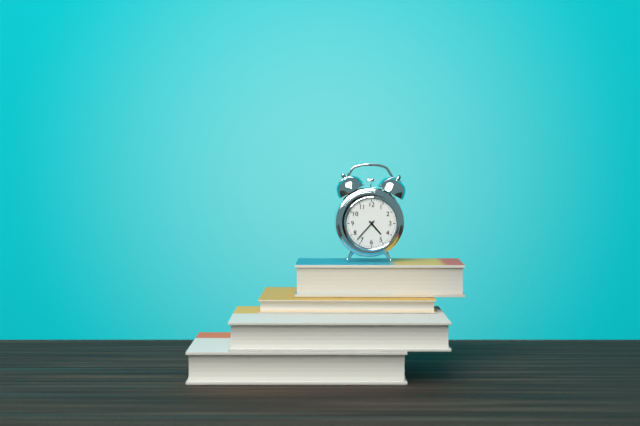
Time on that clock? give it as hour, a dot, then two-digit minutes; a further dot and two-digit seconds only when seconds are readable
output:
4.37
